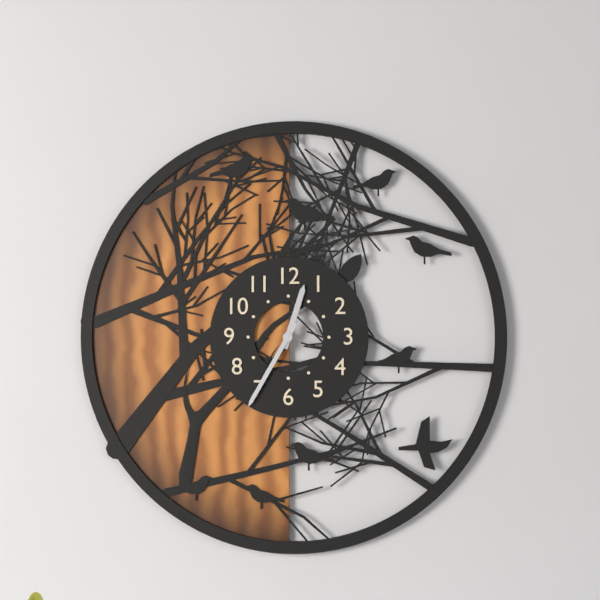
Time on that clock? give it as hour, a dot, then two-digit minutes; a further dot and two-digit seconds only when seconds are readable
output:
12.35
